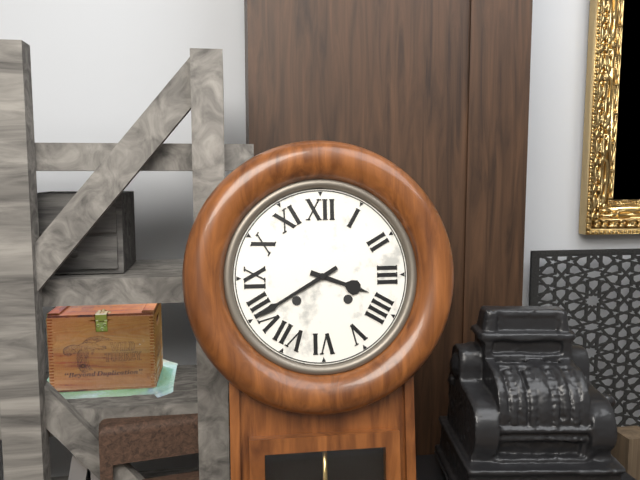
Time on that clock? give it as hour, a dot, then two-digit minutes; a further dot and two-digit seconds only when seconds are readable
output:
3.40
